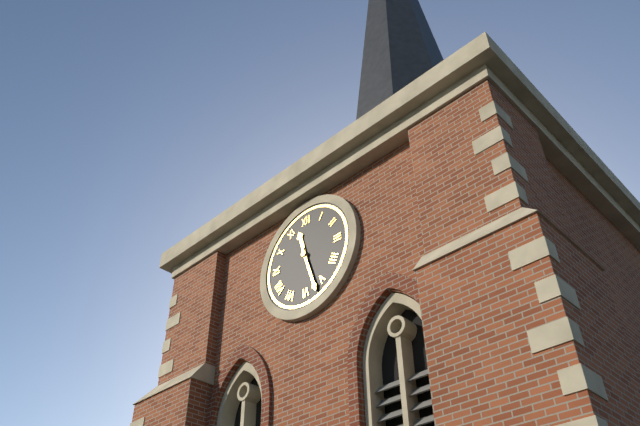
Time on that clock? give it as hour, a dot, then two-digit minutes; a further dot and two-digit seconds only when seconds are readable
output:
11.27
